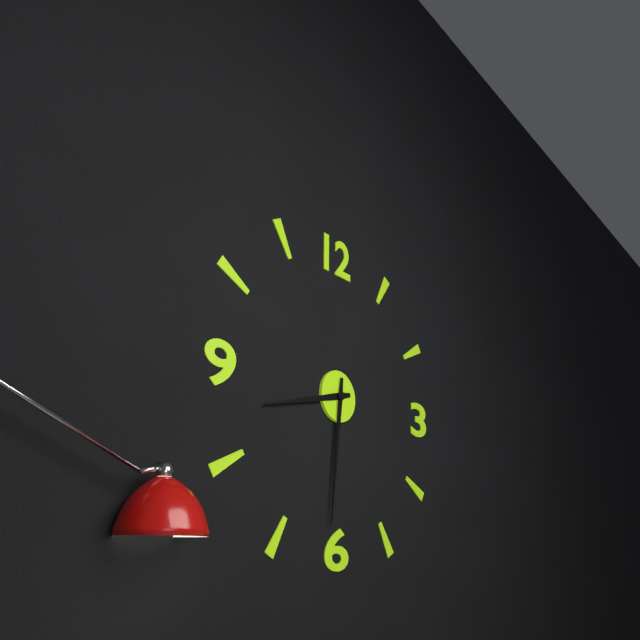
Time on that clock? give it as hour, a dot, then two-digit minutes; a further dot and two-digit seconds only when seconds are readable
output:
8.31
